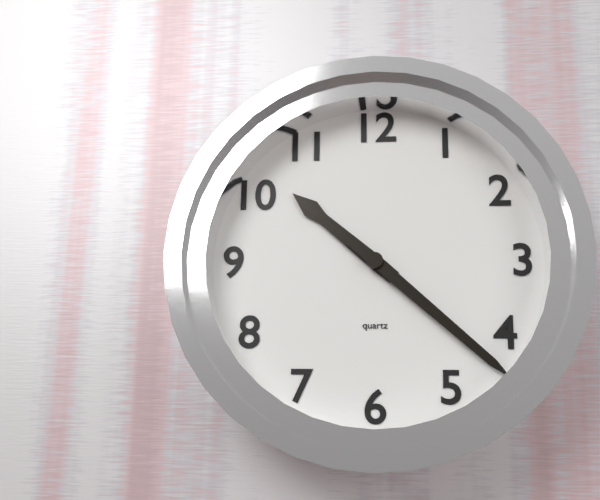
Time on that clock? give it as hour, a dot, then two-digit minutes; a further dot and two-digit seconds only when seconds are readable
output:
10.22
